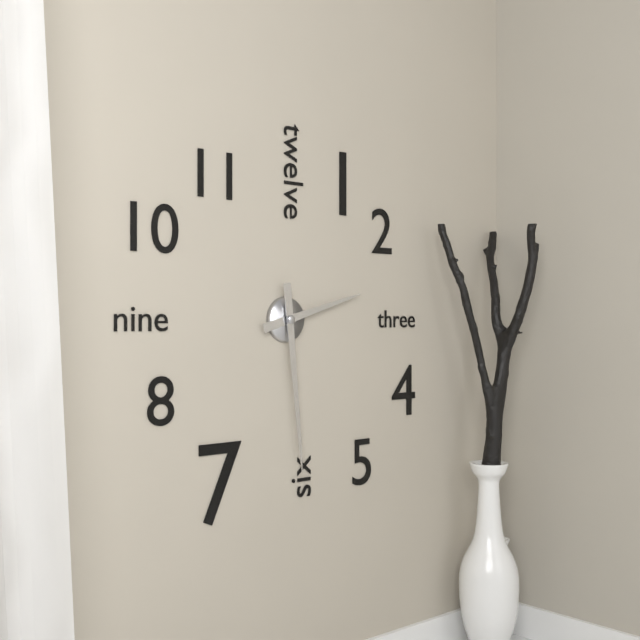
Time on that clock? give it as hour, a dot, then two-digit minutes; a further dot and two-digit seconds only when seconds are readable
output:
2.29
